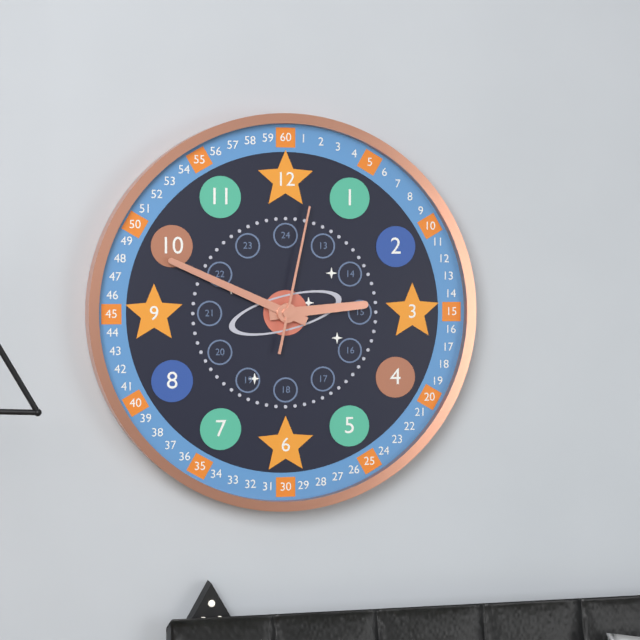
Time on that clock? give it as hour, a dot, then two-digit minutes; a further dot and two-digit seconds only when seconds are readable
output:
2.49.02
